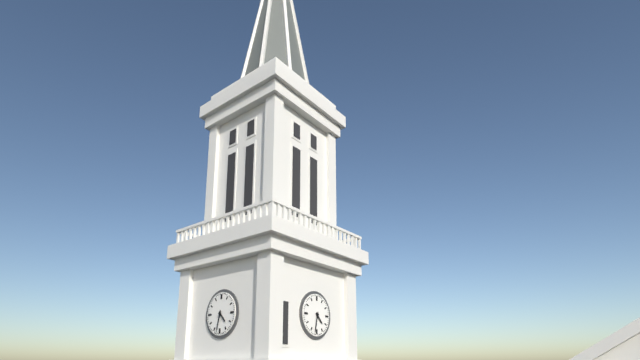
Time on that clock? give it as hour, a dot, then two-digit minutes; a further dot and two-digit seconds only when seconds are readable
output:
4.32
